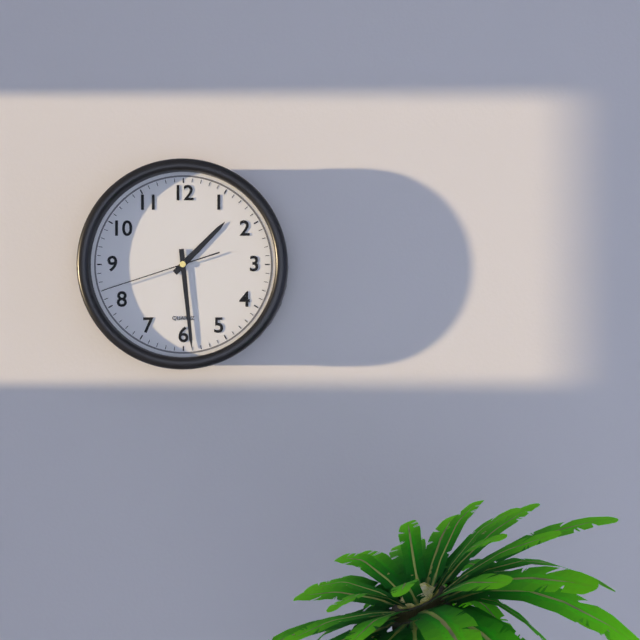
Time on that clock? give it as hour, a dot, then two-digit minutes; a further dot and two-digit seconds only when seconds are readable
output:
1.29.42
